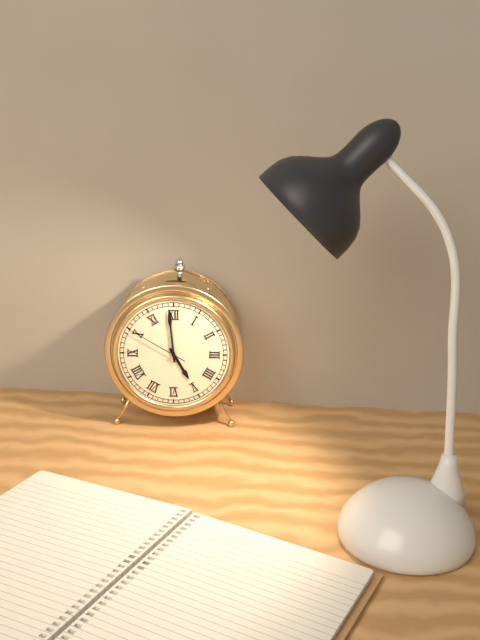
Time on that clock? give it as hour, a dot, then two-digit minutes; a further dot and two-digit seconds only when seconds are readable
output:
4.59.50
